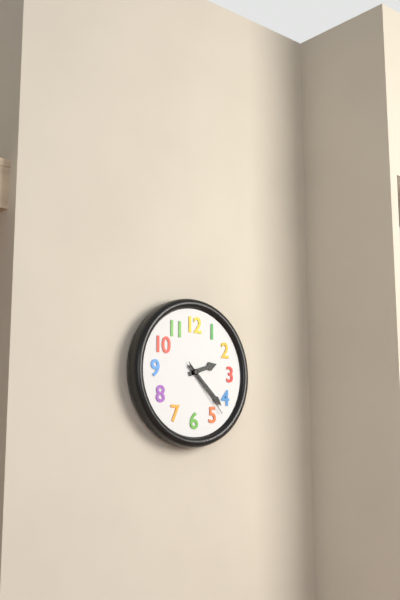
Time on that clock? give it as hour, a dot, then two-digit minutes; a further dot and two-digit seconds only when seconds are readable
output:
2.22.23
